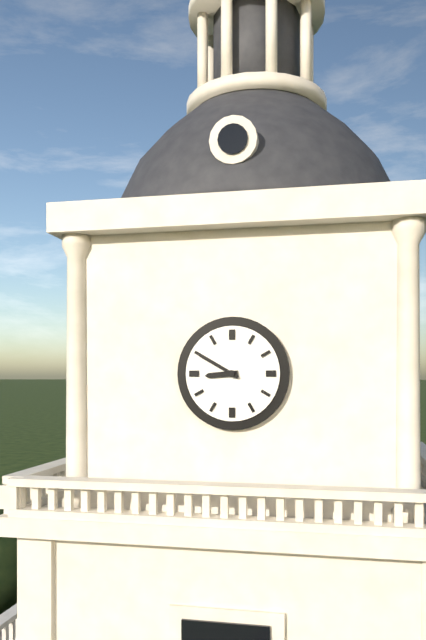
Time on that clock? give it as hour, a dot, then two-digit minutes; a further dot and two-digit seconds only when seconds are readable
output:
8.50
